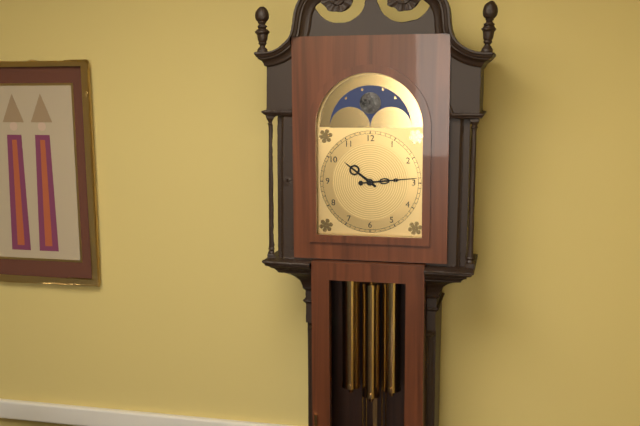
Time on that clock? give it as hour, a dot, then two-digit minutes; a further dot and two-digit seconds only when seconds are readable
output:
10.14
